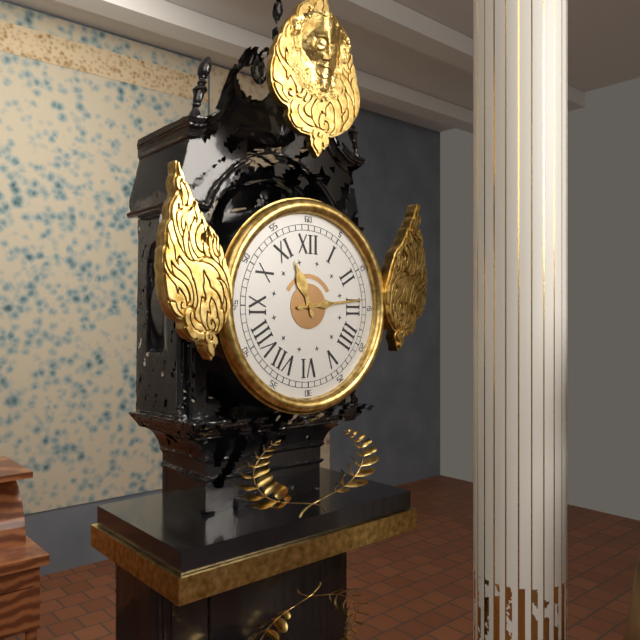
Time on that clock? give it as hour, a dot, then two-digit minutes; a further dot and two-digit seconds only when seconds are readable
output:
11.14
